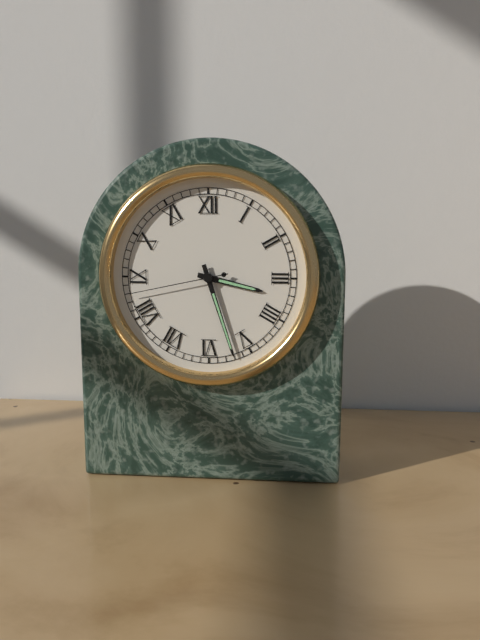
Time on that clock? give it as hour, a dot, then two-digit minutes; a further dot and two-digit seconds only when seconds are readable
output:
3.27.43
